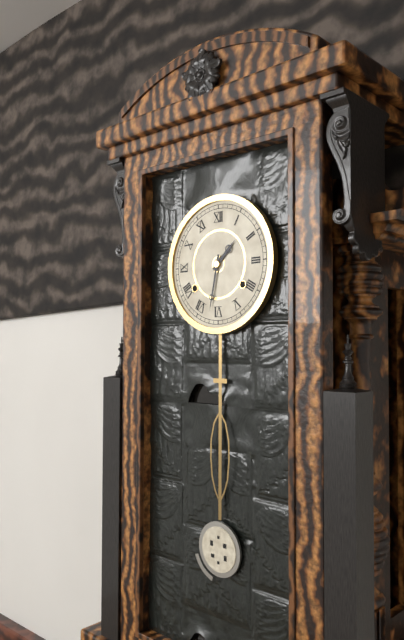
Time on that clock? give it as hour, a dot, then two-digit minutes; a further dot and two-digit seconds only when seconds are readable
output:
1.32
